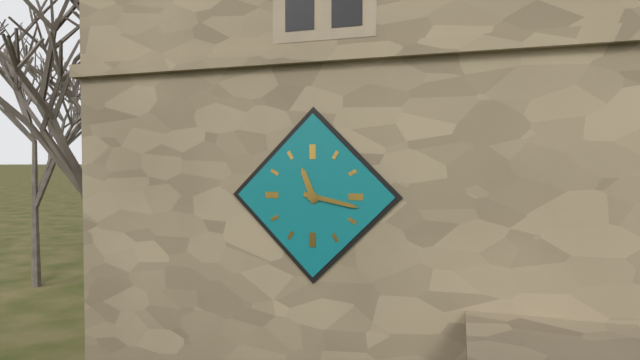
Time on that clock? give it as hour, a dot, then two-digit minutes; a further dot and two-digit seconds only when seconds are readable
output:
11.17
